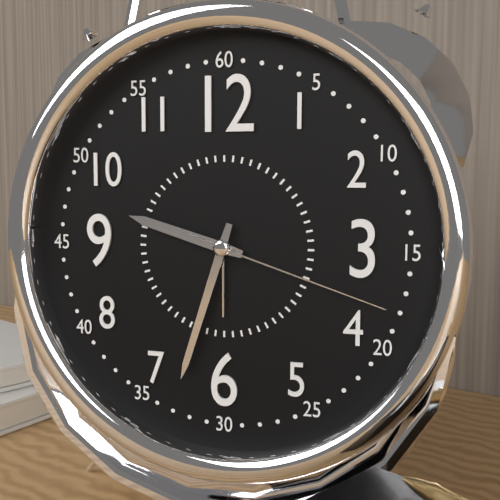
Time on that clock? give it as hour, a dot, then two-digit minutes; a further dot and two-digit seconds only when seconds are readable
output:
9.33.18
